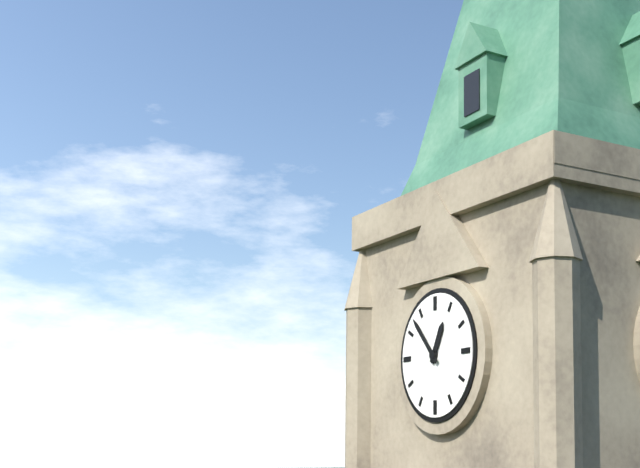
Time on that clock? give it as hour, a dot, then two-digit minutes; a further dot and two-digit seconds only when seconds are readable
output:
12.53
